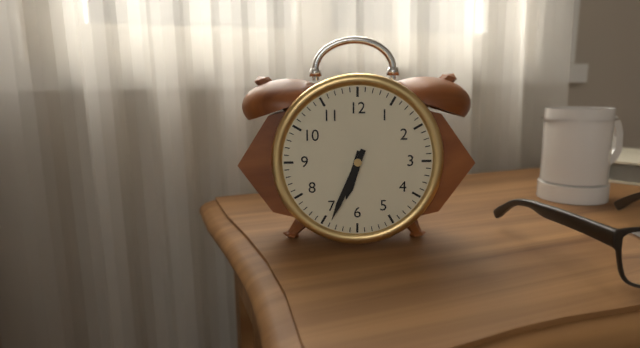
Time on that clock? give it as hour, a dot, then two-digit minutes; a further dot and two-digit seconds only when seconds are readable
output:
6.34
